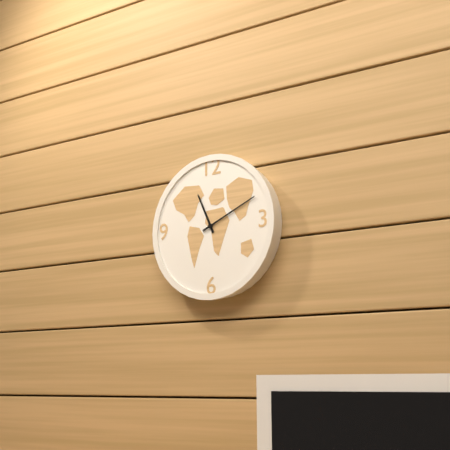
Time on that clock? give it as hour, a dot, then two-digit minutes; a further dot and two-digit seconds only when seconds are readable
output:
11.11
